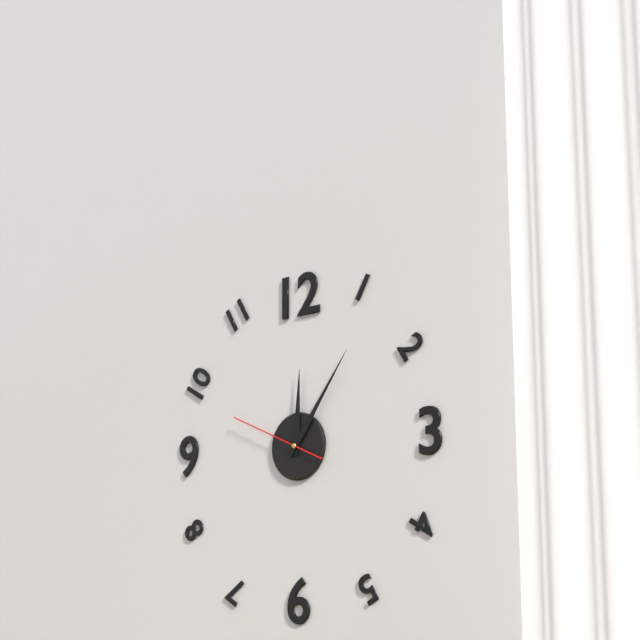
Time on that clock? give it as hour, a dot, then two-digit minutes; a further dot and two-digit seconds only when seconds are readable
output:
12.06.49
